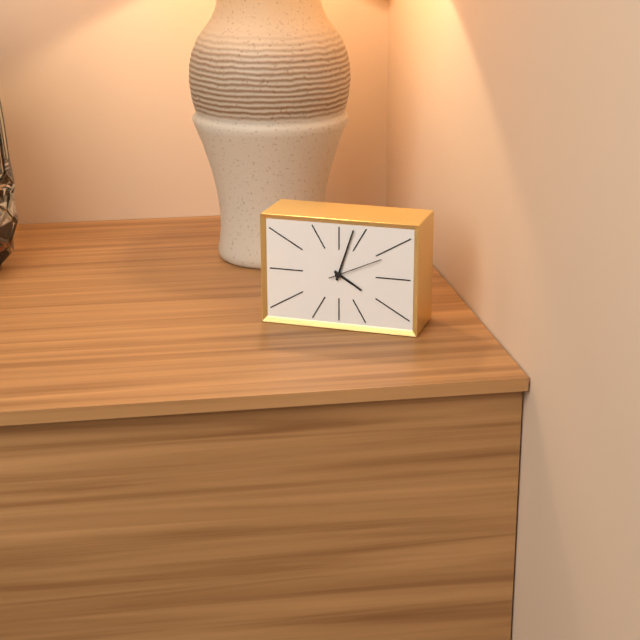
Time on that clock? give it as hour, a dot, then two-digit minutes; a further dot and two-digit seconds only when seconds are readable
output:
4.03.11
